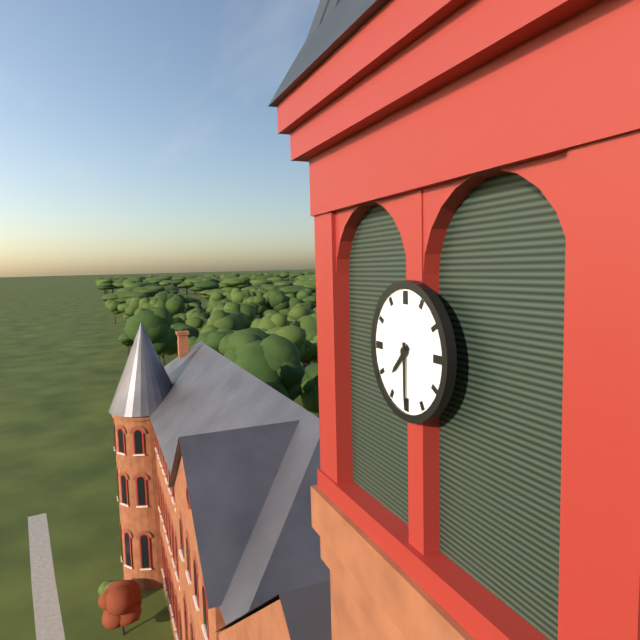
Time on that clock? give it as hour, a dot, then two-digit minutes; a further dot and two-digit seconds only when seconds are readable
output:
7.30
